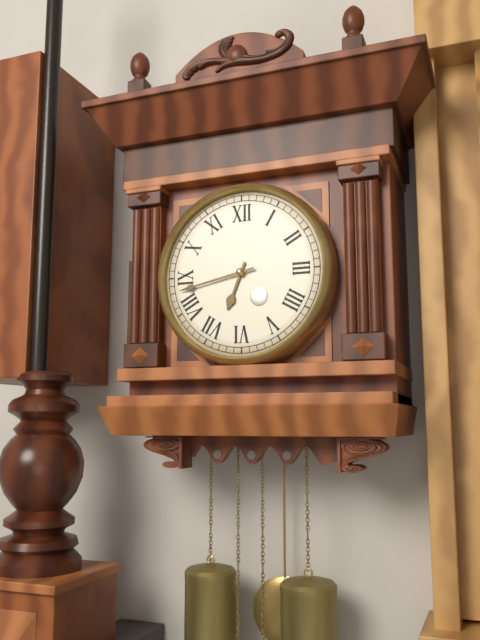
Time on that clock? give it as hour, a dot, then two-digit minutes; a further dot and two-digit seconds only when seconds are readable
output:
6.43
